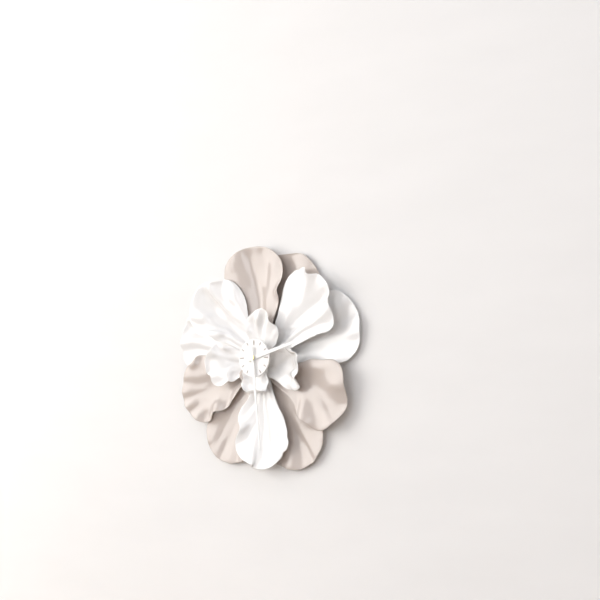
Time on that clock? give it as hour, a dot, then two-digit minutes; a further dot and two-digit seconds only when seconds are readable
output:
2.29
